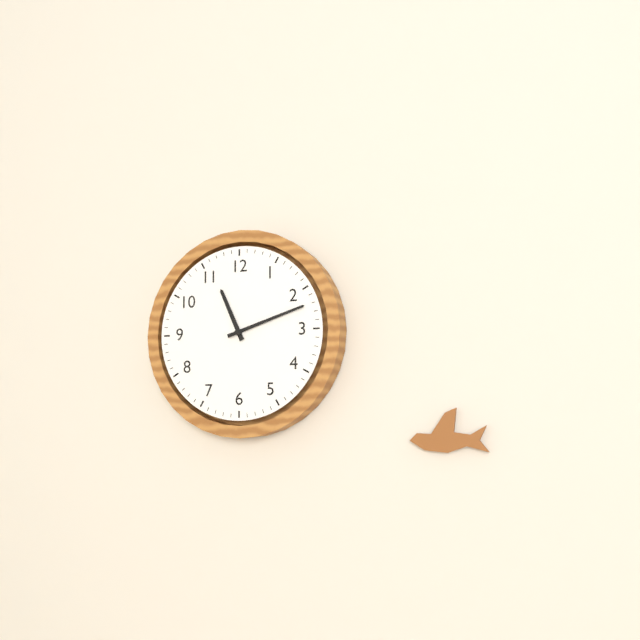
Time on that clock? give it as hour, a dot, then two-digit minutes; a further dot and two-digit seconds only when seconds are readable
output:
11.12
